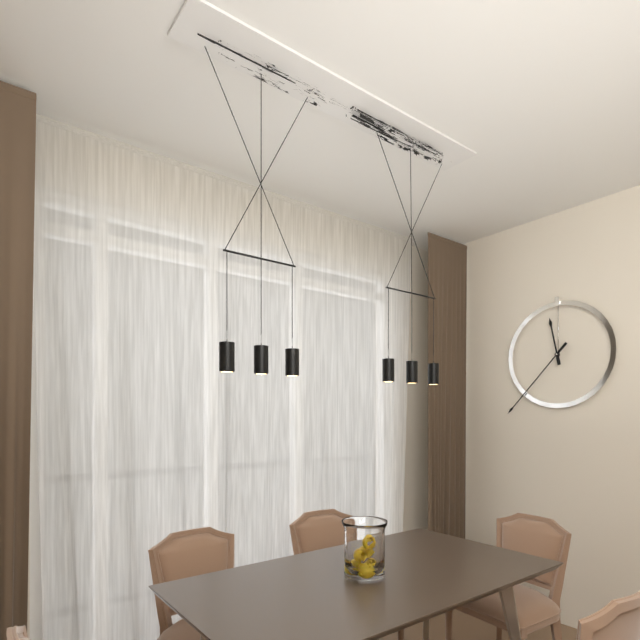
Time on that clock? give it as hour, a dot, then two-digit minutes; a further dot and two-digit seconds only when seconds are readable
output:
11.37
